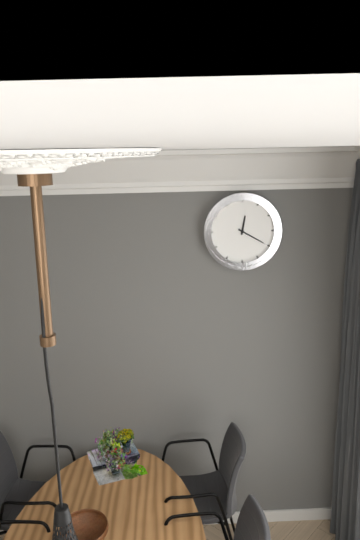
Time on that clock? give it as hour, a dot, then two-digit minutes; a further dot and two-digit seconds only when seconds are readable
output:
12.20
